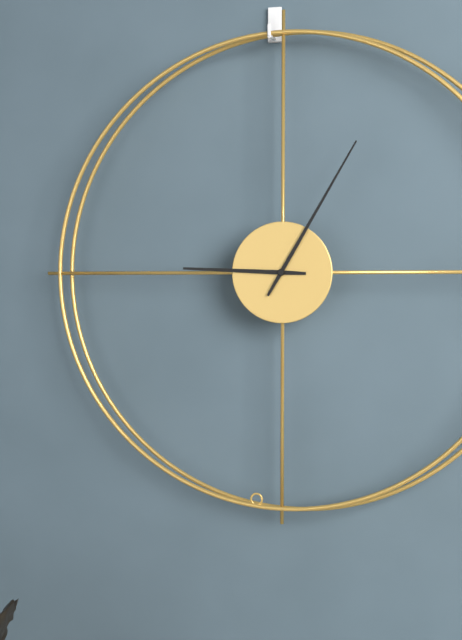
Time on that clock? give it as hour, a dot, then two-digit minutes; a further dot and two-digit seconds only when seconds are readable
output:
9.05
